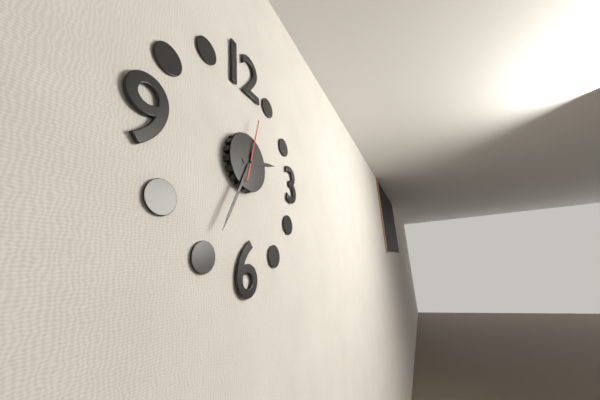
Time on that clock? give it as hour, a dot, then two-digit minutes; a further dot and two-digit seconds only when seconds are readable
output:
2.35.03
